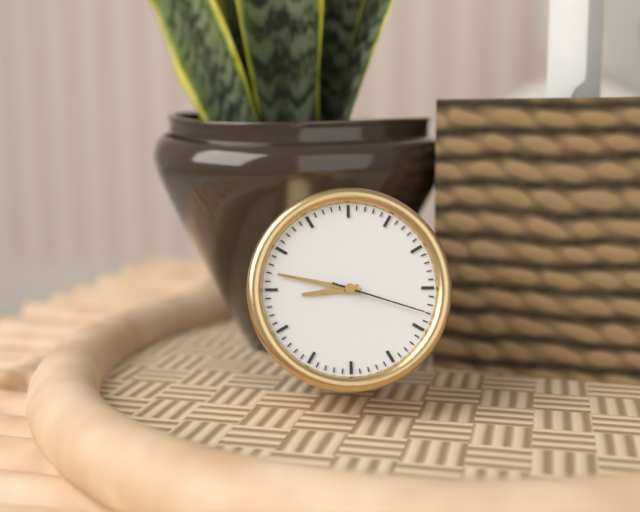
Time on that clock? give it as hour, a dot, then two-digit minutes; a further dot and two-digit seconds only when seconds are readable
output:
8.47.18
